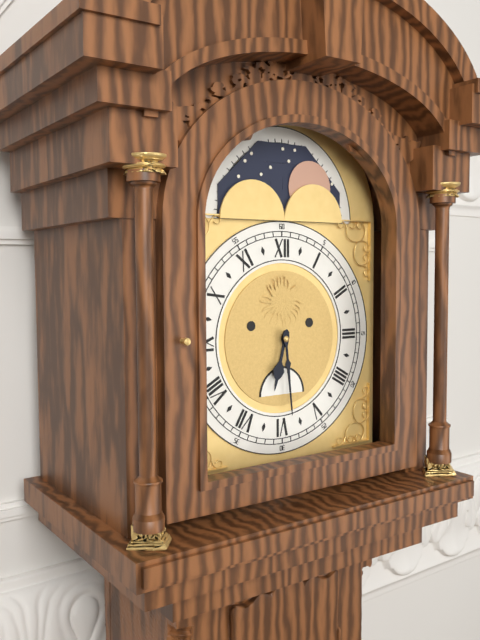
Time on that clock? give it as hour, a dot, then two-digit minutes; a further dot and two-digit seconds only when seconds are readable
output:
6.29
